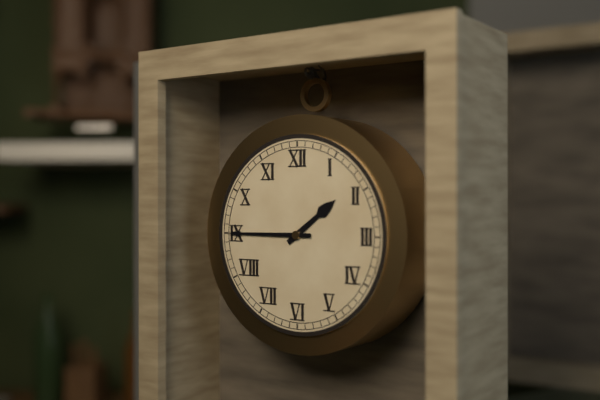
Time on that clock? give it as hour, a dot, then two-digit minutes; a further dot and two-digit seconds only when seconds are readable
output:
1.45
